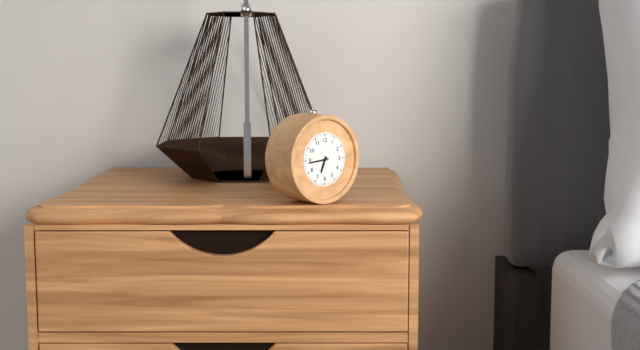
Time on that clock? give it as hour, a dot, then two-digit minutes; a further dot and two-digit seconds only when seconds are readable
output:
6.44
